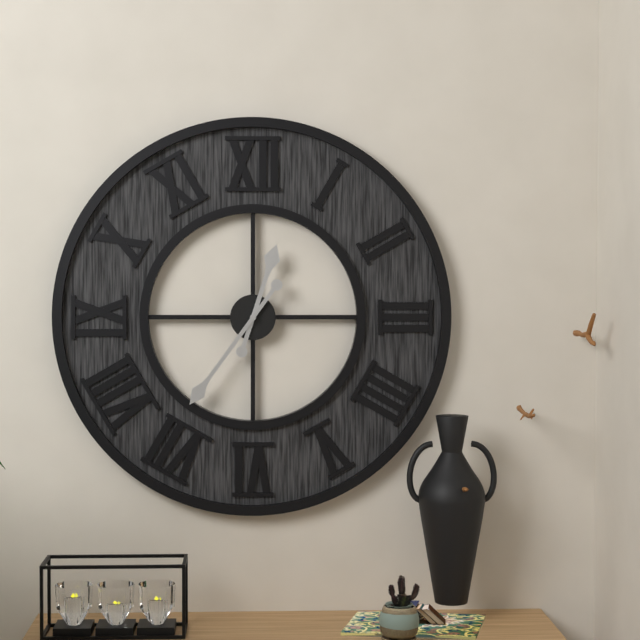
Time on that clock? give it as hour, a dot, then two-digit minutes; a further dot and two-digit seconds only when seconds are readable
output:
12.36
